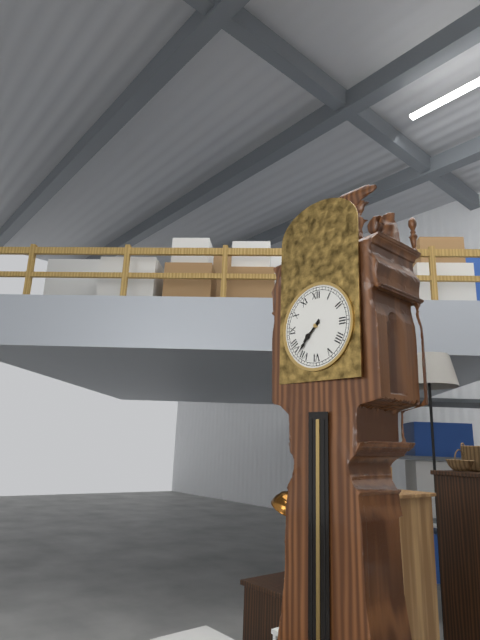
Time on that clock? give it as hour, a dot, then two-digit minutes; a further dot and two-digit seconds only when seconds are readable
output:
7.37
